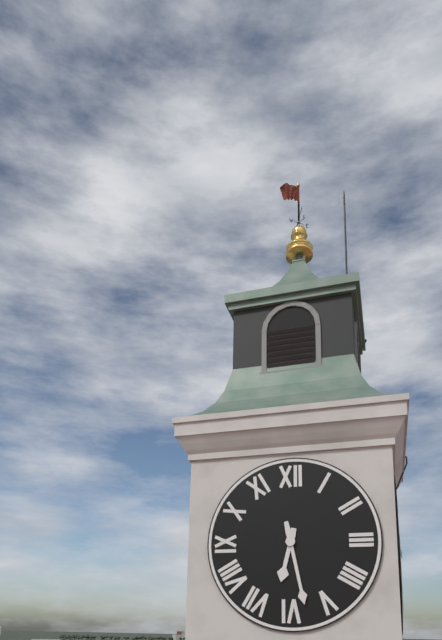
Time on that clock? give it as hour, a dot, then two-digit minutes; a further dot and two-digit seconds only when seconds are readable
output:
6.28
